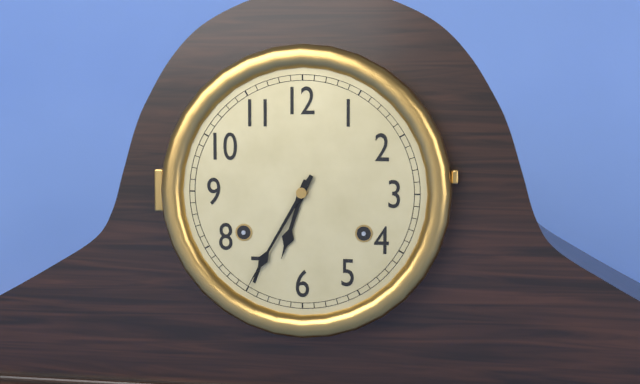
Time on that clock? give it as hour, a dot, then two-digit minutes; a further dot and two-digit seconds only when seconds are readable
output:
6.35
